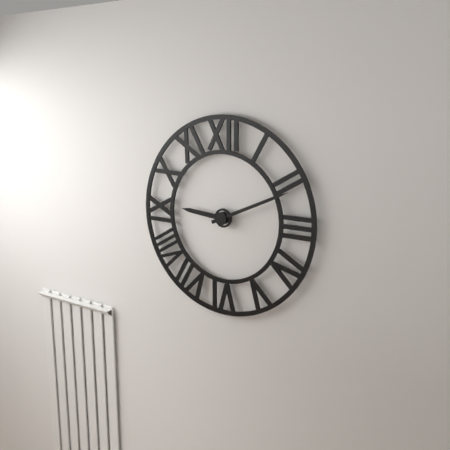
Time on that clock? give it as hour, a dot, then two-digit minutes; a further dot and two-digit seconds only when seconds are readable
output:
9.11
